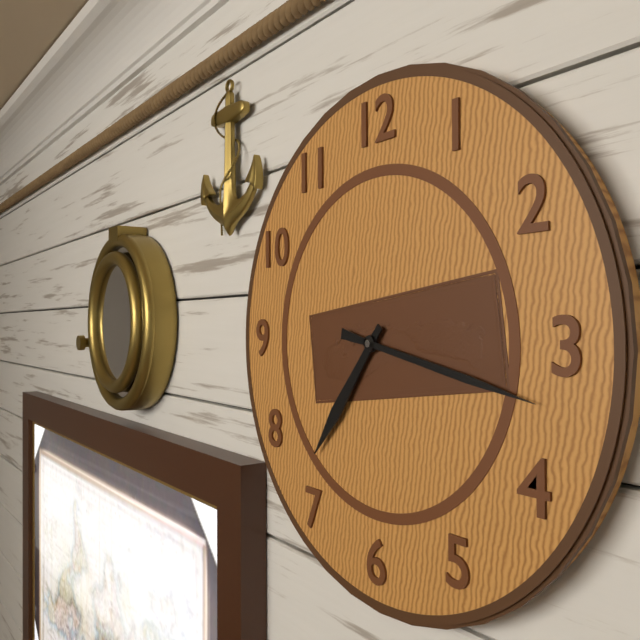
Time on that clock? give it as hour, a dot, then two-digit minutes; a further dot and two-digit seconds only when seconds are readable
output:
7.17
